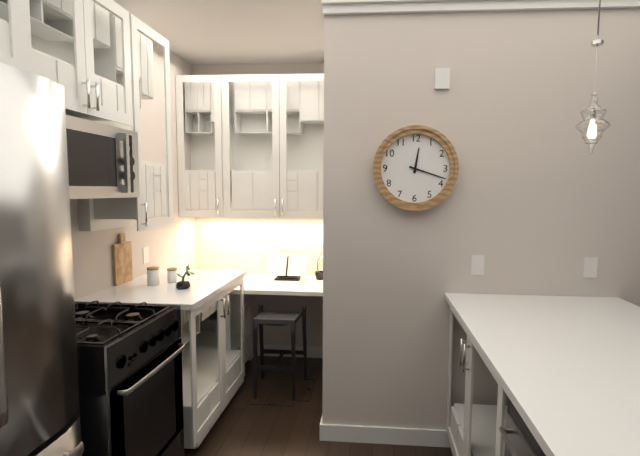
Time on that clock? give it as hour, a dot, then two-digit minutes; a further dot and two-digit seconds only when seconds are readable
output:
12.18
